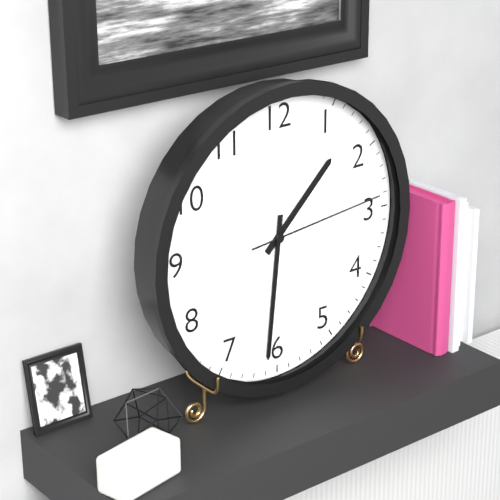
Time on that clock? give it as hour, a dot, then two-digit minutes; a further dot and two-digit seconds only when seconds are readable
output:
1.31.14
